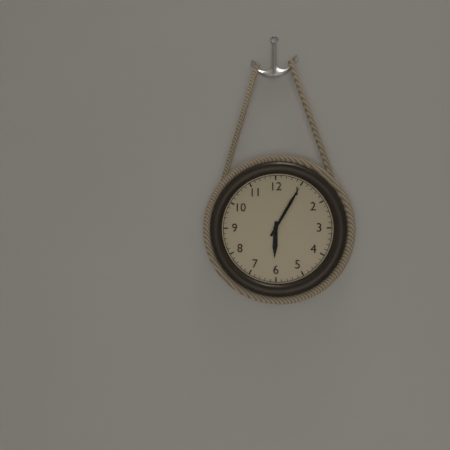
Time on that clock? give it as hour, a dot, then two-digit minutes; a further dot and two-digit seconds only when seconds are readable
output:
6.05
